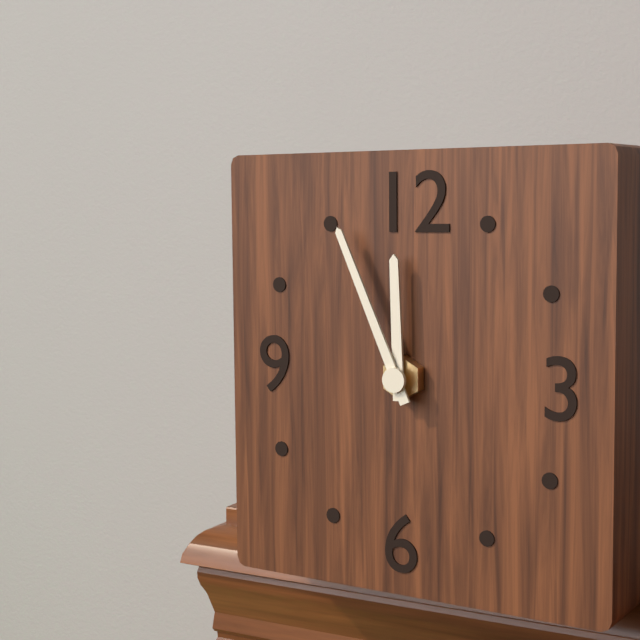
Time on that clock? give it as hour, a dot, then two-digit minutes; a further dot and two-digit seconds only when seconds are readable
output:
11.56
